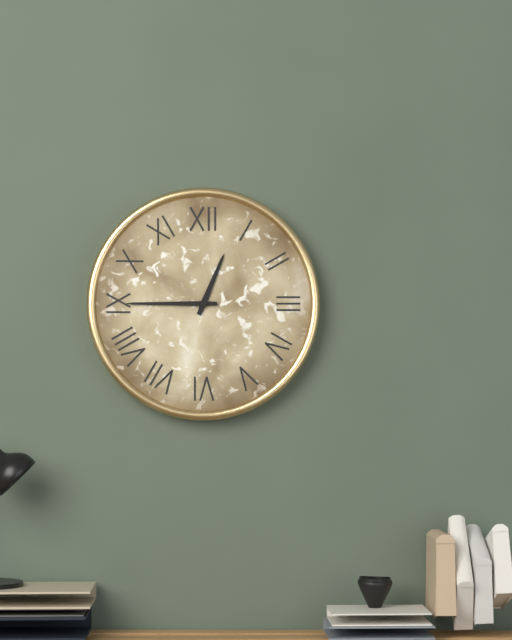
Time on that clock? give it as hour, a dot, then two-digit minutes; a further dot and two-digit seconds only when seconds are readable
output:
12.45
